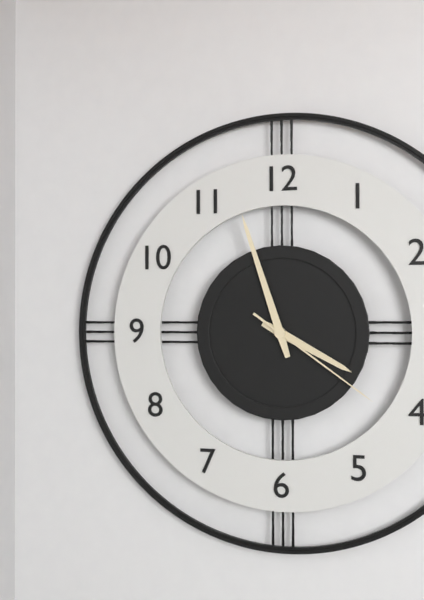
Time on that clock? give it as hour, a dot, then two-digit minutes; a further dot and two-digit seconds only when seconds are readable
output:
3.57.21
